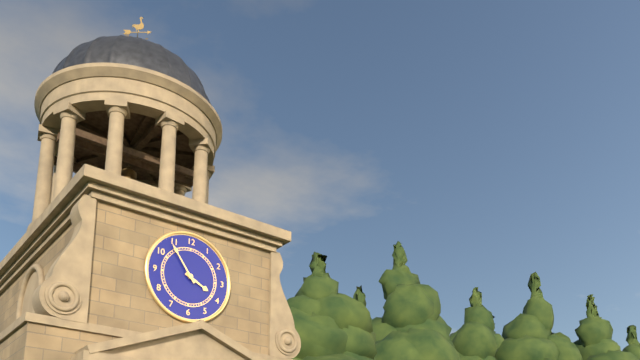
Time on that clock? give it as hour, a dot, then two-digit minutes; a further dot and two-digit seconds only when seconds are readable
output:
3.54
